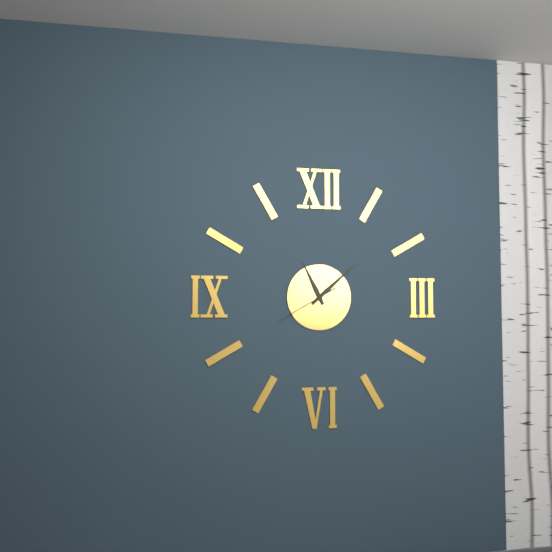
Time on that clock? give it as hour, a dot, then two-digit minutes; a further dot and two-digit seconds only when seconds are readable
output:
11.08.40
